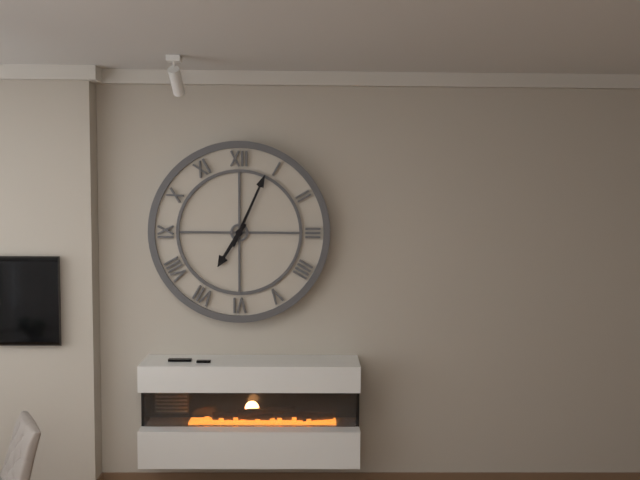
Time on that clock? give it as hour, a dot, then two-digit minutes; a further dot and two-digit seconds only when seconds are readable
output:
7.04
